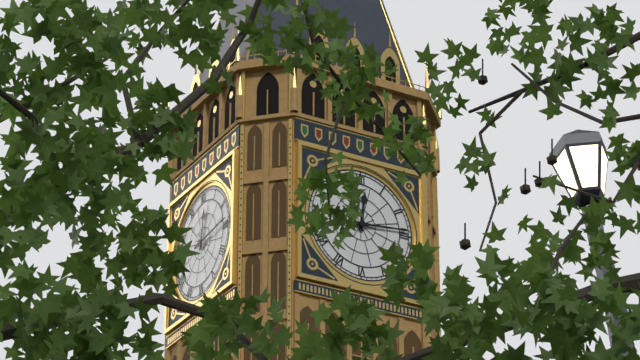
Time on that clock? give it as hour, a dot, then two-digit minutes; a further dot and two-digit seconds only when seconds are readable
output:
12.14
